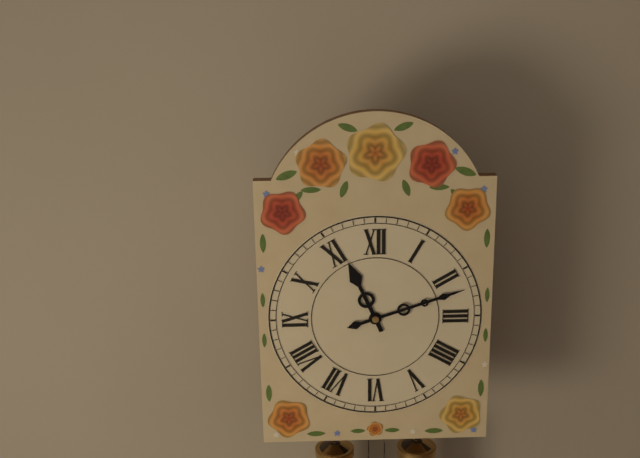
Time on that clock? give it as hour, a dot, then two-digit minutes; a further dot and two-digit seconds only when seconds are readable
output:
11.12
